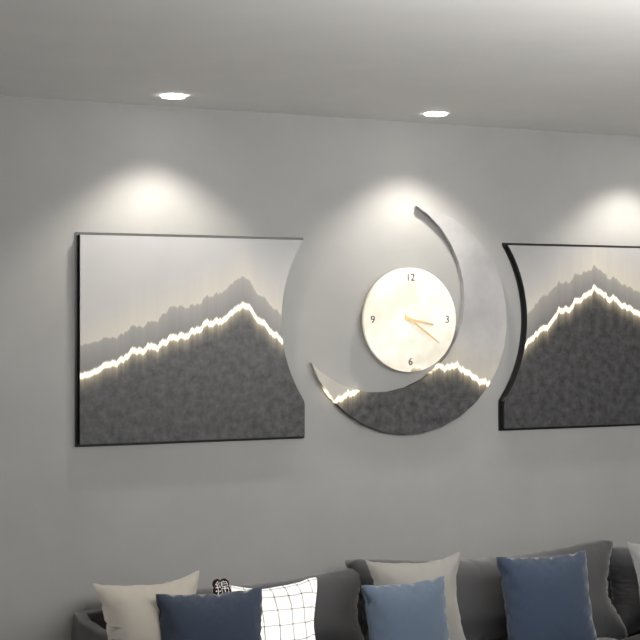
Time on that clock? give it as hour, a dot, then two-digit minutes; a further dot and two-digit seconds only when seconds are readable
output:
3.21
